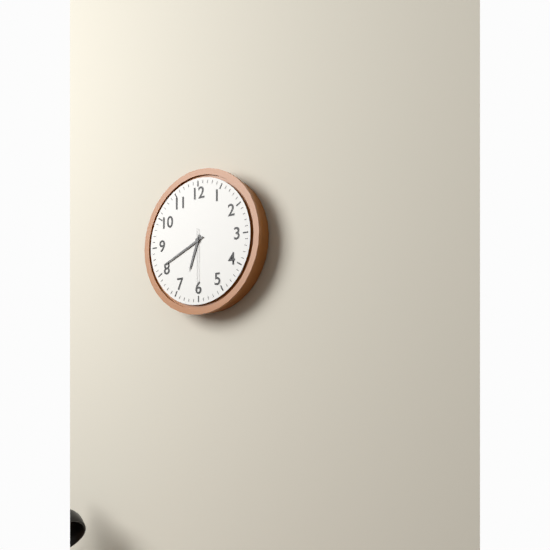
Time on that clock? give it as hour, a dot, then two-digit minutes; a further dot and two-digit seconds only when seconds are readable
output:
6.41.30
